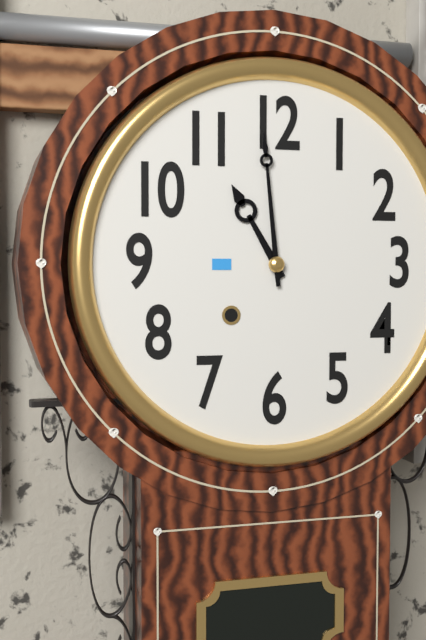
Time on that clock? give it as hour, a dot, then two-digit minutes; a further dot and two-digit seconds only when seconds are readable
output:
10.59
